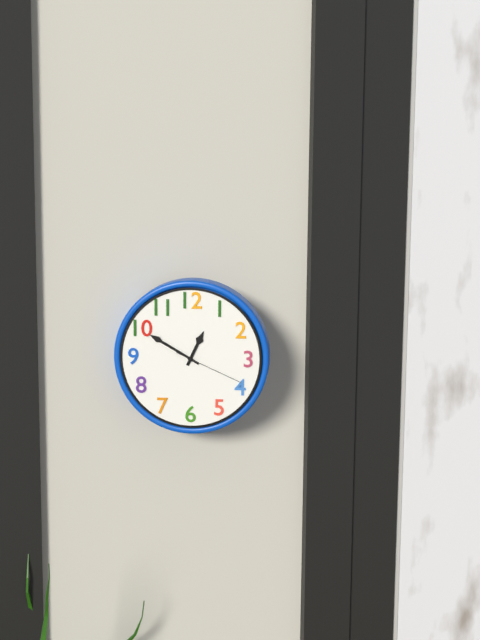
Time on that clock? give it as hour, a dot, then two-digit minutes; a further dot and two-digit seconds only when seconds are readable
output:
12.50.19
